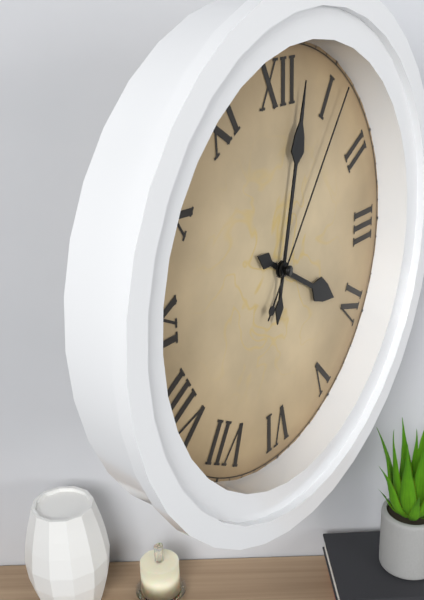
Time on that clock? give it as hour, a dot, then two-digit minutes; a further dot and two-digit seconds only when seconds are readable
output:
4.02.06
